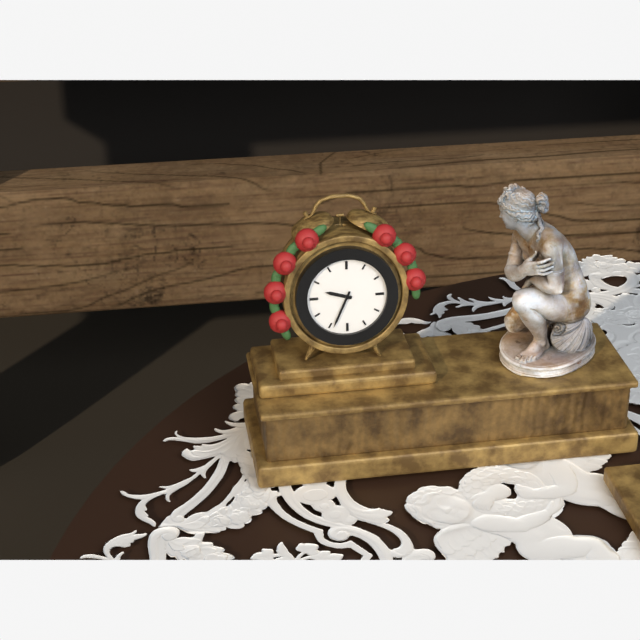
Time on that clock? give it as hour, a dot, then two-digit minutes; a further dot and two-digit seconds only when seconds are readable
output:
9.34
